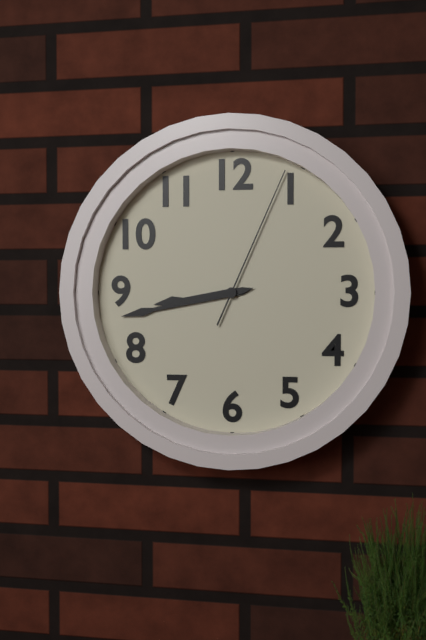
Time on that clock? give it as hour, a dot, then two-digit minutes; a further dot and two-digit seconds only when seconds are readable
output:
8.43.04
